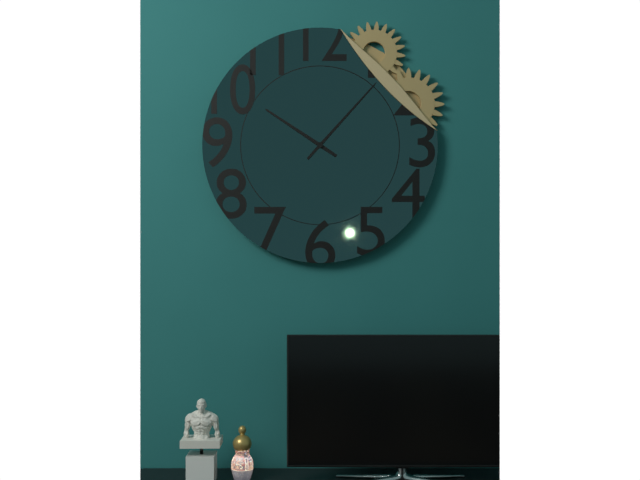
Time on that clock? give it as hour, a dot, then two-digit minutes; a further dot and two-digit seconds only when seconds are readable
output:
10.07
